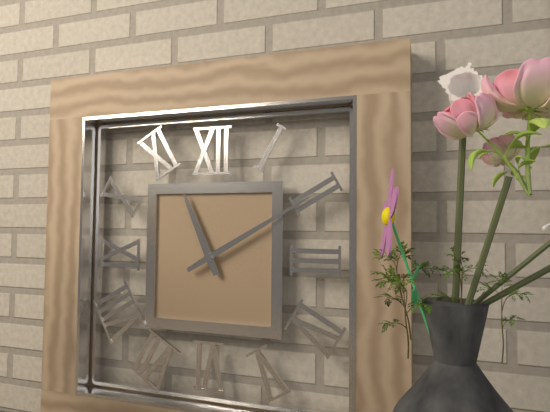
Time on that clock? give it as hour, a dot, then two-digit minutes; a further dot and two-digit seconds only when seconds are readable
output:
11.10
